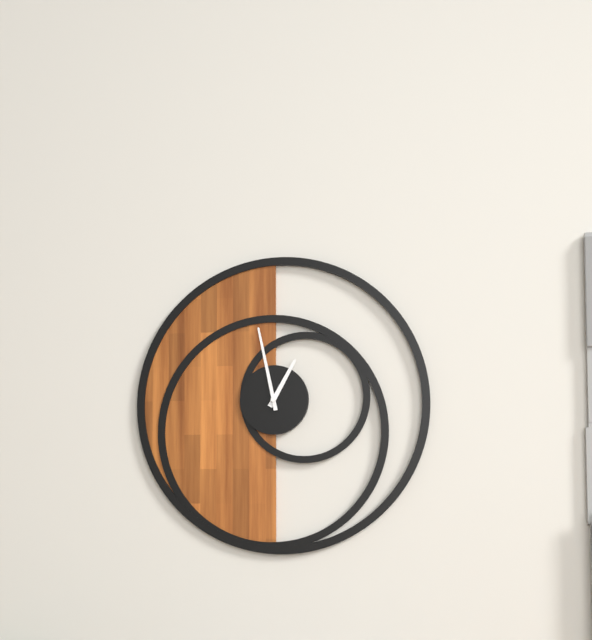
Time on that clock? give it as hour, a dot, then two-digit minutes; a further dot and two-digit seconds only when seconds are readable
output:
12.58
